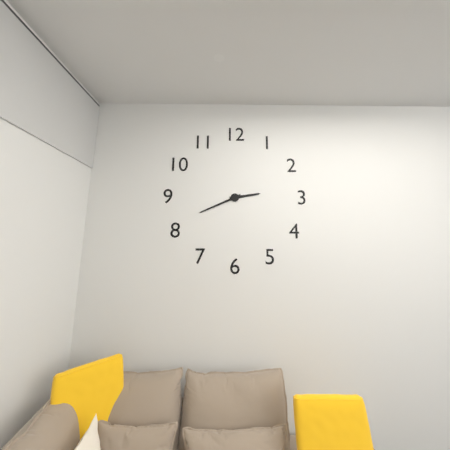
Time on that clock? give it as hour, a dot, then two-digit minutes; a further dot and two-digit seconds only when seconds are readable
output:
2.41
